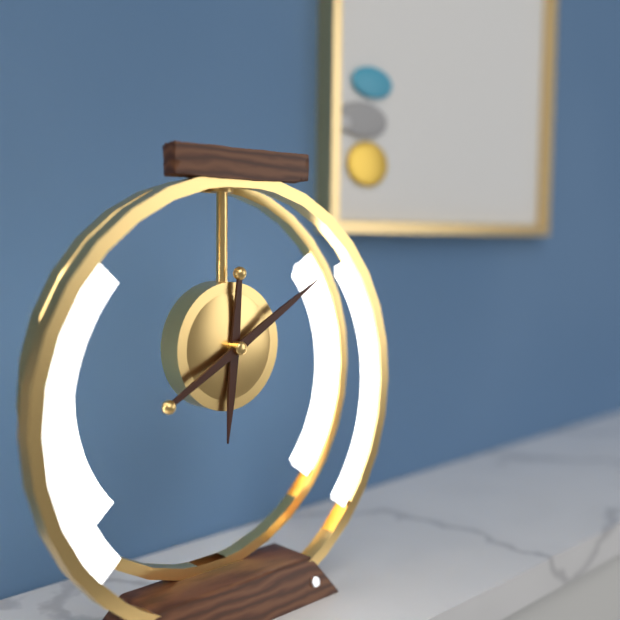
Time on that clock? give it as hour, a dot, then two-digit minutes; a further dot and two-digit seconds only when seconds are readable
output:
6.10
